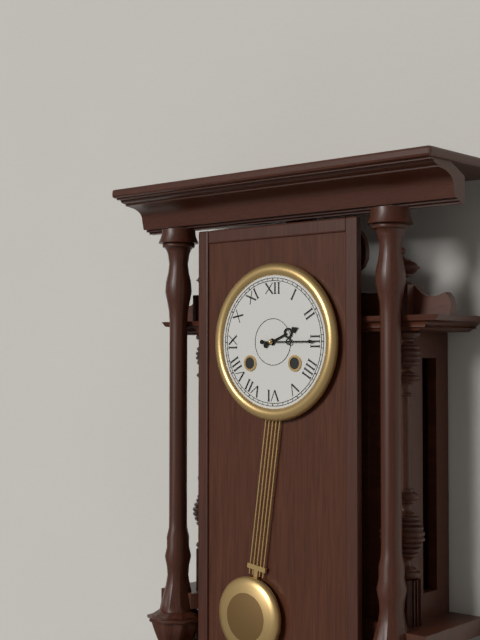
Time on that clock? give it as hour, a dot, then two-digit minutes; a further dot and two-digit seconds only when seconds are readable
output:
2.15
